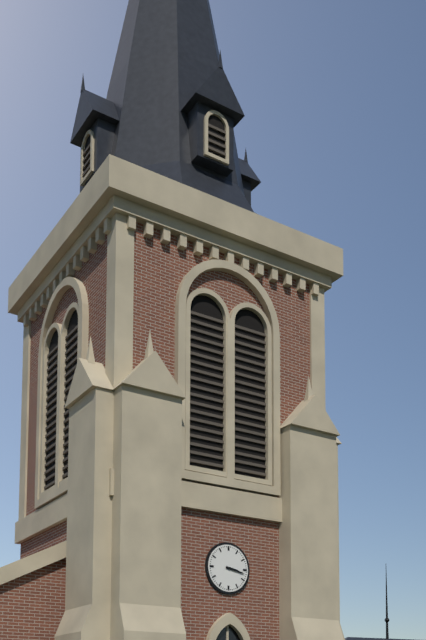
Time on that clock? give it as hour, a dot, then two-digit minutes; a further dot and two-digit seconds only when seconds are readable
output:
3.17
